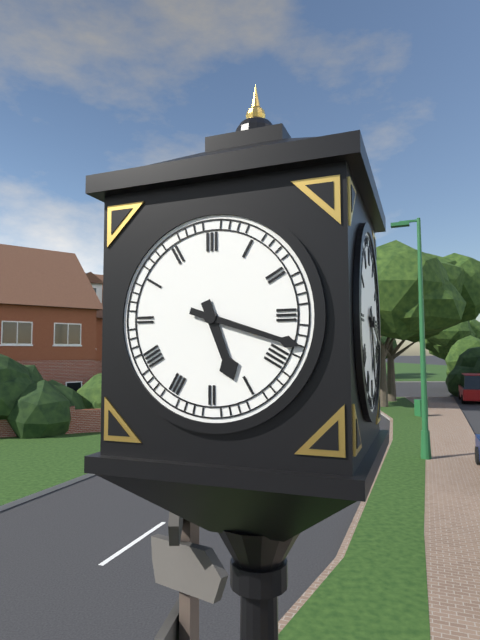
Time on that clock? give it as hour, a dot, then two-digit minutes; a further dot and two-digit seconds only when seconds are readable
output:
5.18
